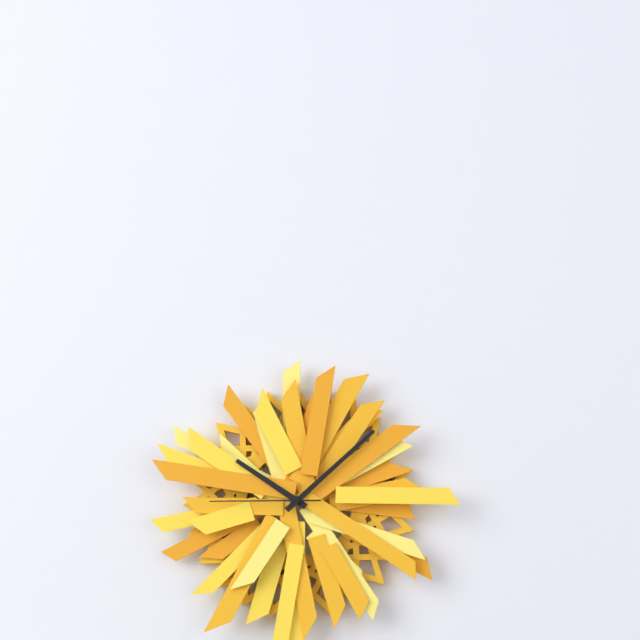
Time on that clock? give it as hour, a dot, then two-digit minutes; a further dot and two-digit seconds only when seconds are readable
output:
10.08.45
